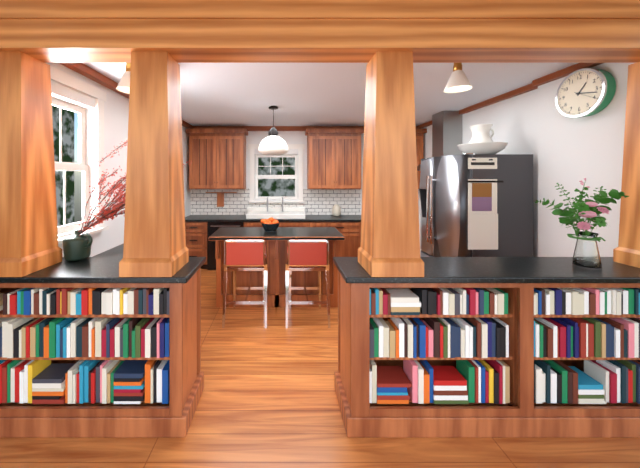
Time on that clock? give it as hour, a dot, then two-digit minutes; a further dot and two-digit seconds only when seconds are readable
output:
1.17
